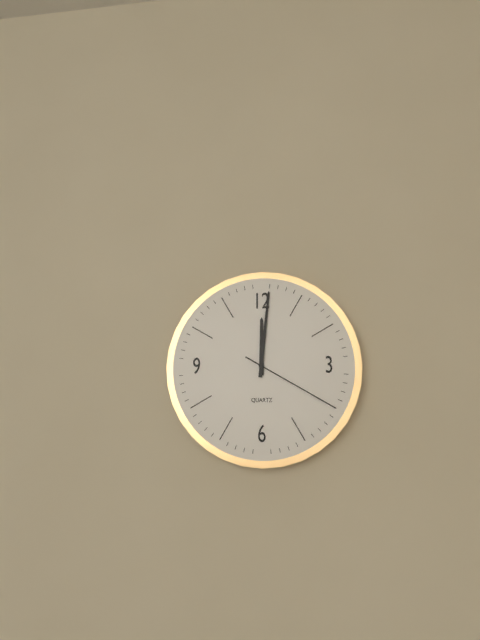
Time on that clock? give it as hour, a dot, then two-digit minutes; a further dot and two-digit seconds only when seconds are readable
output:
12.01.20
